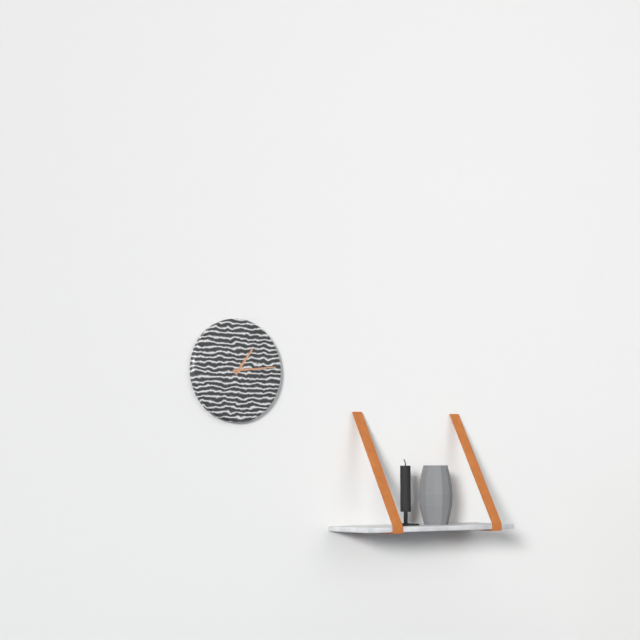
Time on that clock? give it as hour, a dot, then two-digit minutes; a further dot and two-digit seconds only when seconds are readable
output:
1.14
